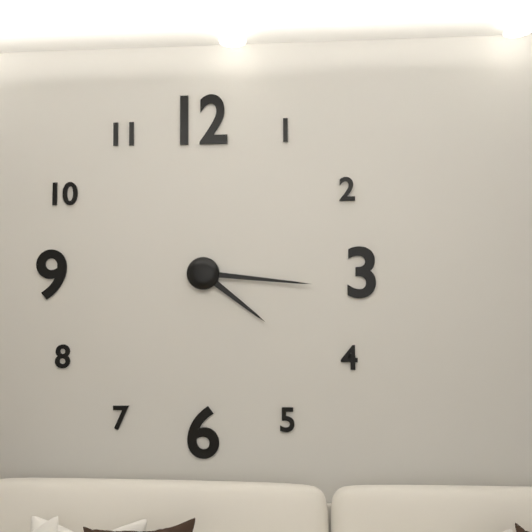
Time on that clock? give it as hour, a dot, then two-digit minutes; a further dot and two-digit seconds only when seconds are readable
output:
4.16
